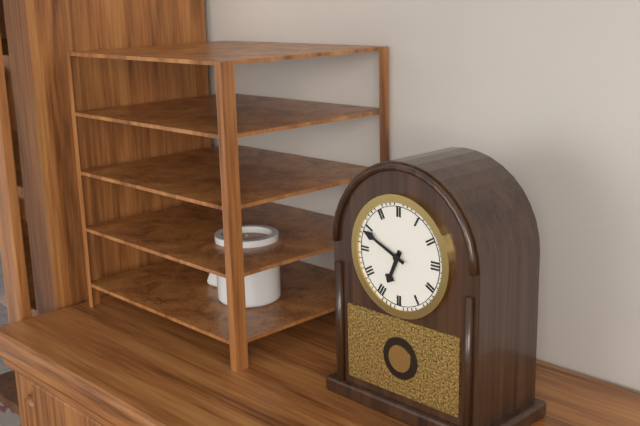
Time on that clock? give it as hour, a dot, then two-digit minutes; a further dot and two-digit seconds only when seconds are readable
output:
6.49
